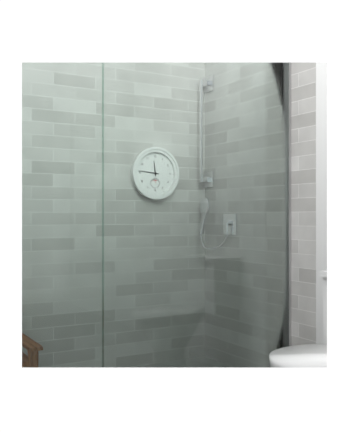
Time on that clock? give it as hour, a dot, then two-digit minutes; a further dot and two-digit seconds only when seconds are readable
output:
11.46
